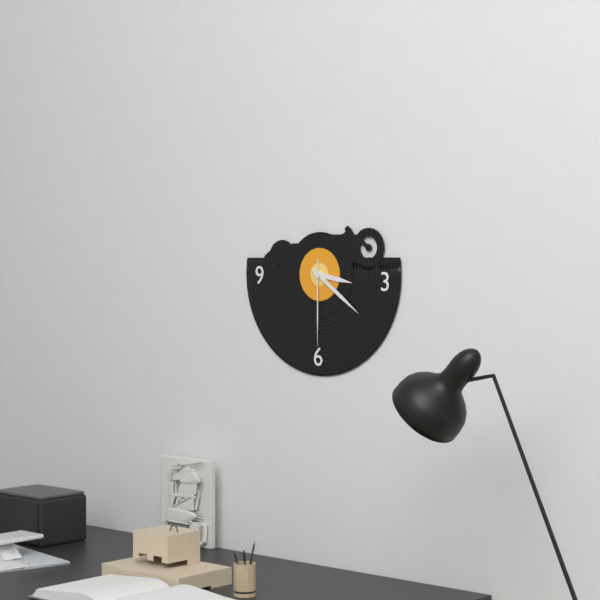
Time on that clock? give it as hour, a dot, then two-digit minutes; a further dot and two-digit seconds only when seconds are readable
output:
3.21.30
